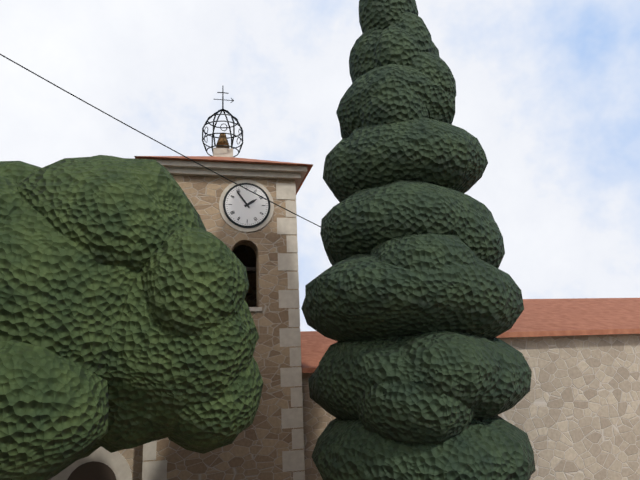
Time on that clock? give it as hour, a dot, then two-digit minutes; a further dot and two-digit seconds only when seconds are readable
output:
1.54
